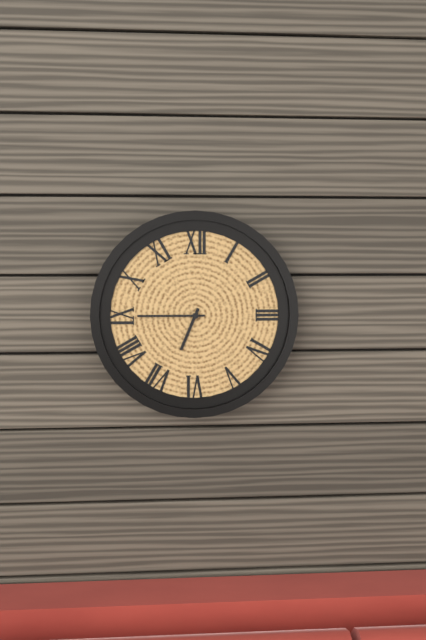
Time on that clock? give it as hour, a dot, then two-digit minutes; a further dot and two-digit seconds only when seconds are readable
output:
6.45
